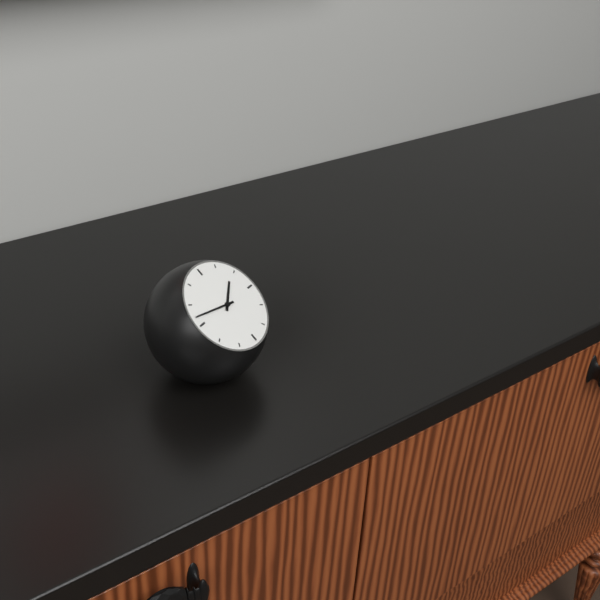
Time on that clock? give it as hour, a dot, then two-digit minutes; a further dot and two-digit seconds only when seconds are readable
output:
1.47
